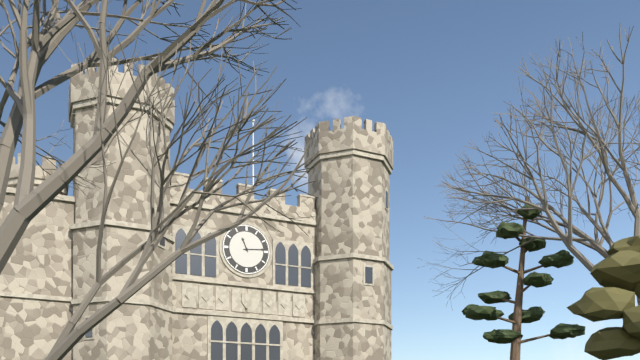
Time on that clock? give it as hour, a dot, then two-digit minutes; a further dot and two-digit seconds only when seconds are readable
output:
11.14
